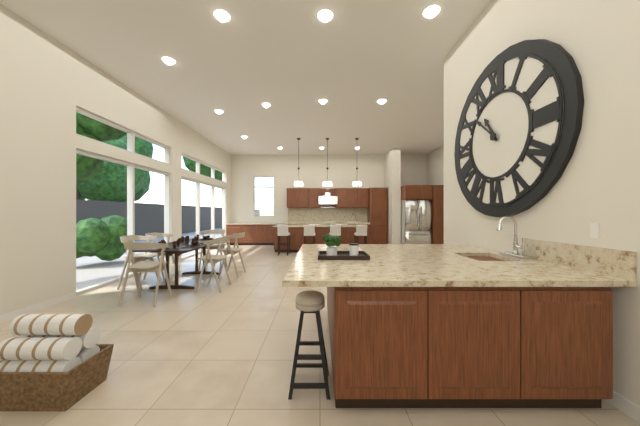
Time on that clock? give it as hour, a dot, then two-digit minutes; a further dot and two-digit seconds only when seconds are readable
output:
10.52
